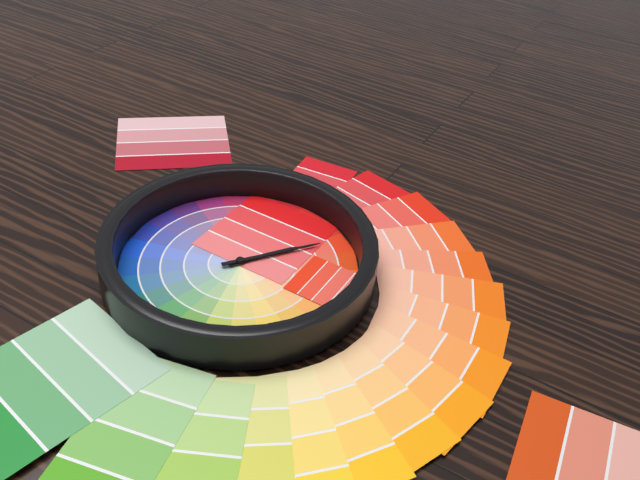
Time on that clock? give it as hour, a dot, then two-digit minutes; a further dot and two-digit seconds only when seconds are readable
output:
1.06
